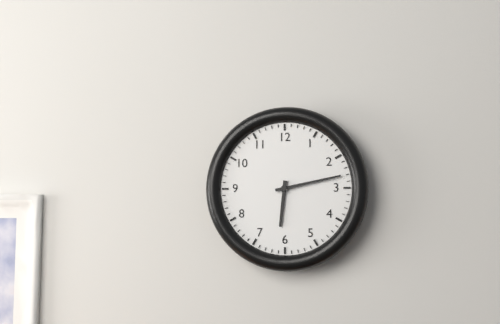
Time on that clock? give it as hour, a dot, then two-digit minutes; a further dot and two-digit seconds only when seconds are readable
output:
6.13
